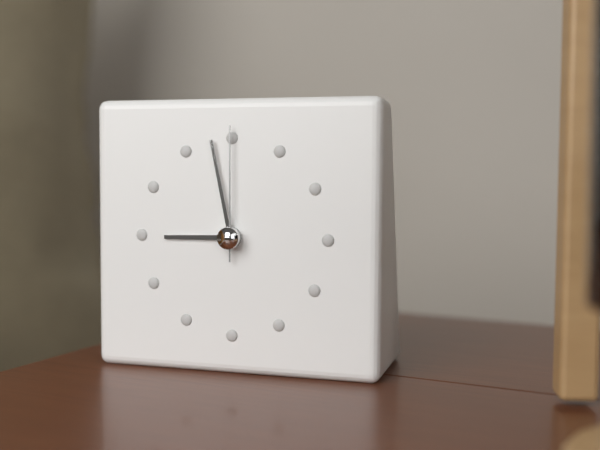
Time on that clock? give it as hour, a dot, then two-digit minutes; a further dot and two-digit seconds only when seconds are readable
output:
8.58.00
